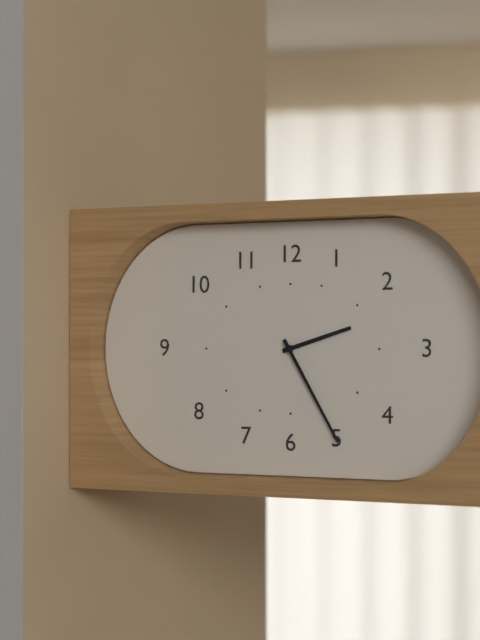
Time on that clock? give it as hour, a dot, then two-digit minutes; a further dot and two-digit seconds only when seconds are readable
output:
2.25
